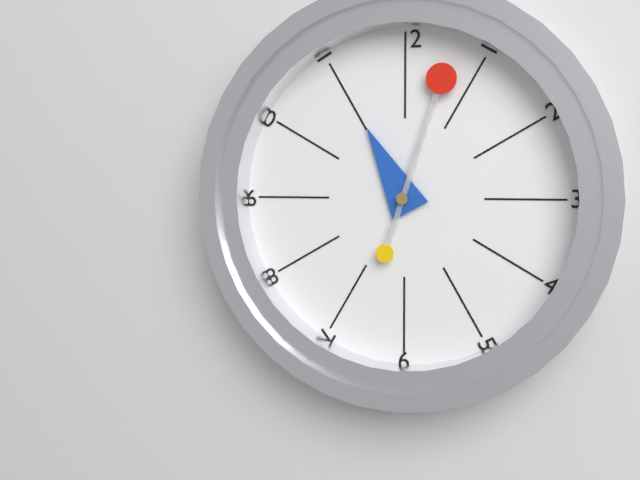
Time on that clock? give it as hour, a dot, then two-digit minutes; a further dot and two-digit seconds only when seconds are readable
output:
11.03
